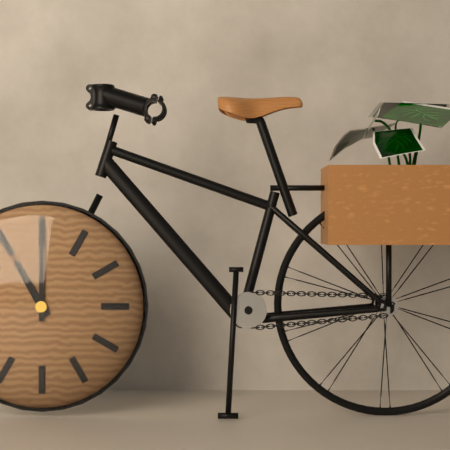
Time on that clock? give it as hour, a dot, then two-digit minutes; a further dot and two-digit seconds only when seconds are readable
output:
11.00
